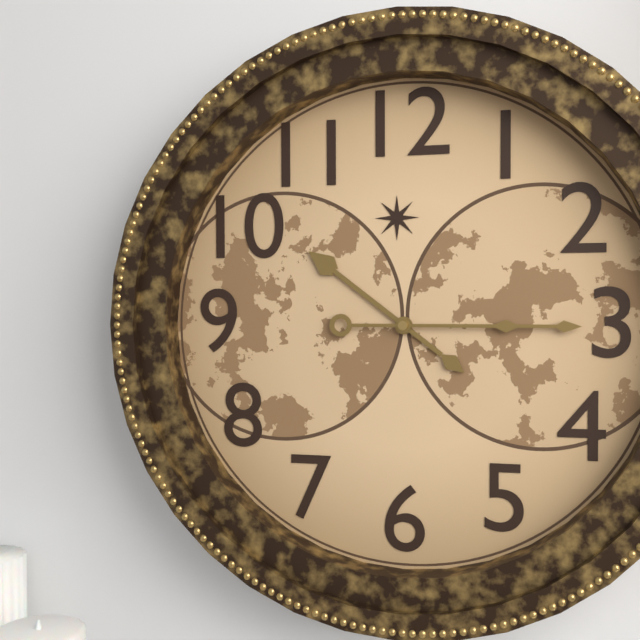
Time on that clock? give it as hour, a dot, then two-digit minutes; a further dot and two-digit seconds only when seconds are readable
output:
10.15
